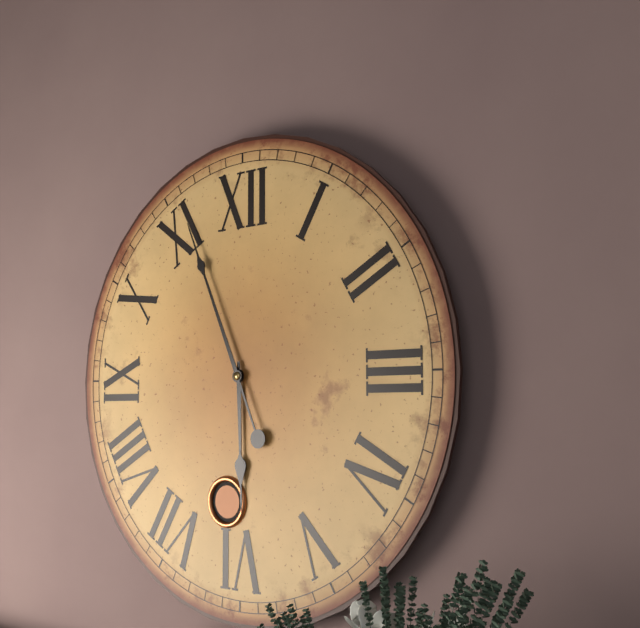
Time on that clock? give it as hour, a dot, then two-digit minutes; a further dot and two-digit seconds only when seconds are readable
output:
5.56
